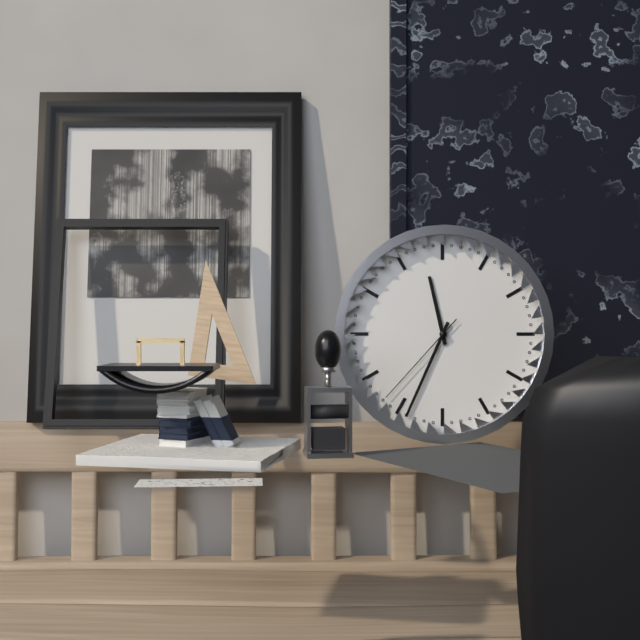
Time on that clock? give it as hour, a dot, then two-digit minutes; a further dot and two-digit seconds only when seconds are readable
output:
11.34.37
